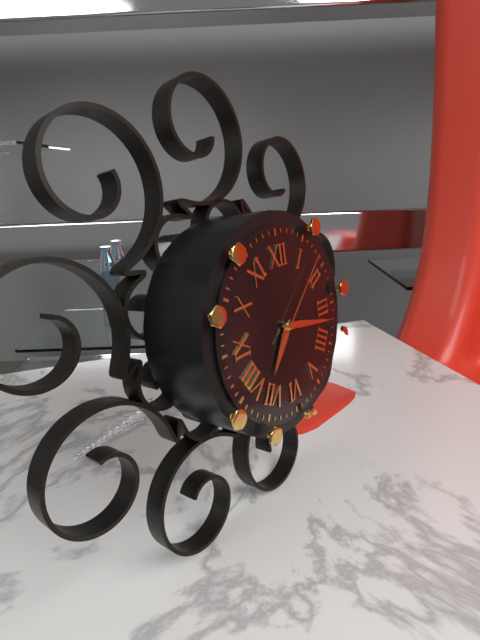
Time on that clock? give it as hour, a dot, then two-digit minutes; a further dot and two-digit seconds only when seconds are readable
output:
7.17.08
